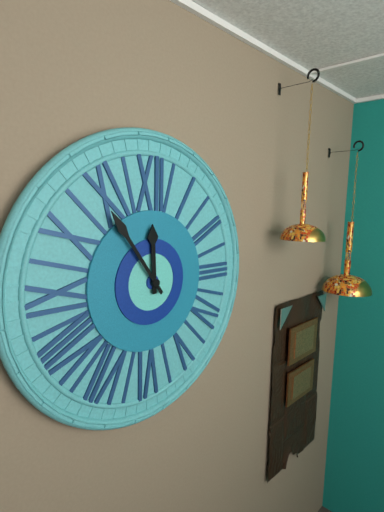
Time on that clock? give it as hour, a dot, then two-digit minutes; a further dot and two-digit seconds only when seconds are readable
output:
11.54
